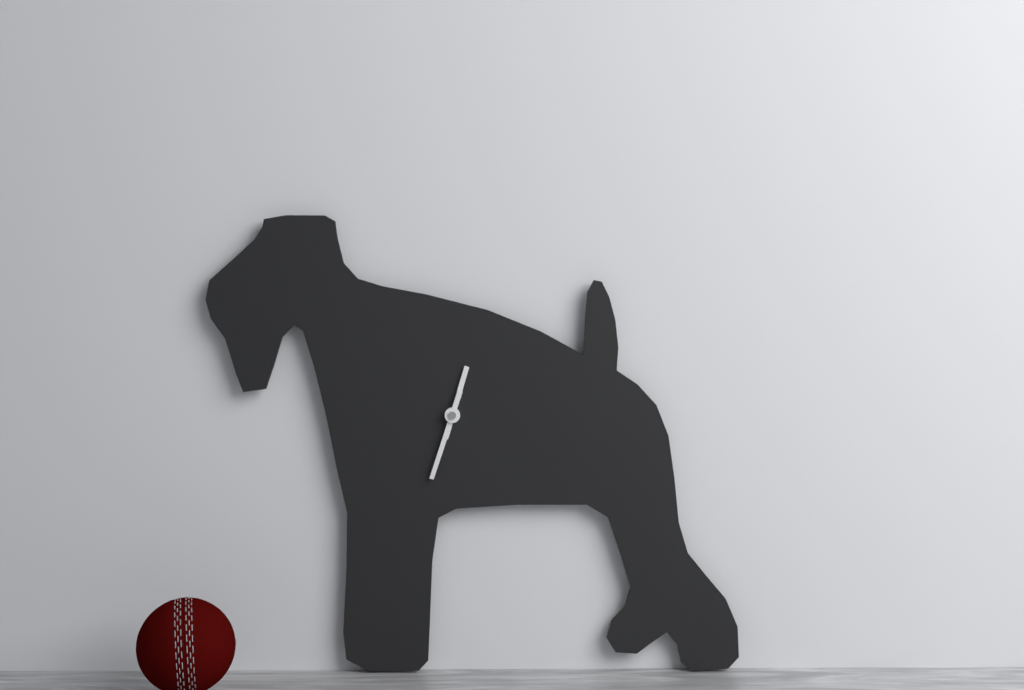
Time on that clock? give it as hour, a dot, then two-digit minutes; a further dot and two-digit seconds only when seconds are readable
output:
12.33
